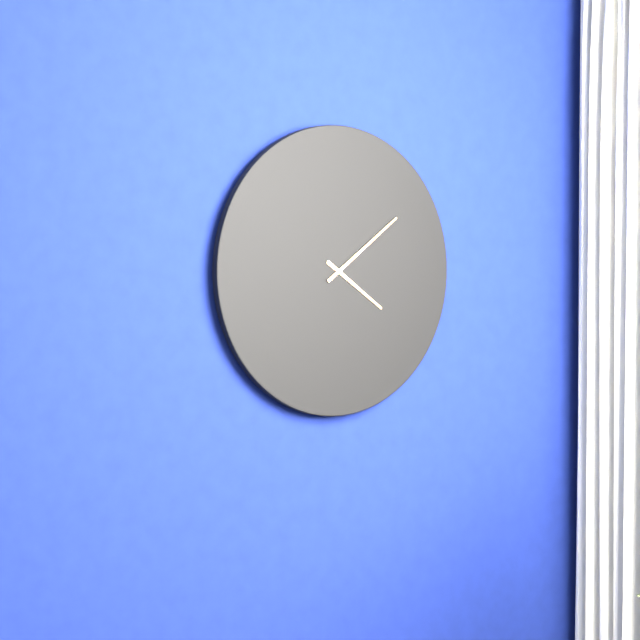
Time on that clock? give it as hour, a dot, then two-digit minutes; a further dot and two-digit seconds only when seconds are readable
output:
4.09
